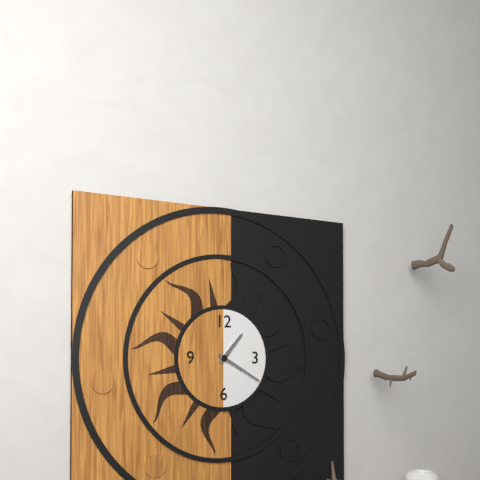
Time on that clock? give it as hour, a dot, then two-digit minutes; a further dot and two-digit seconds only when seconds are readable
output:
1.20
